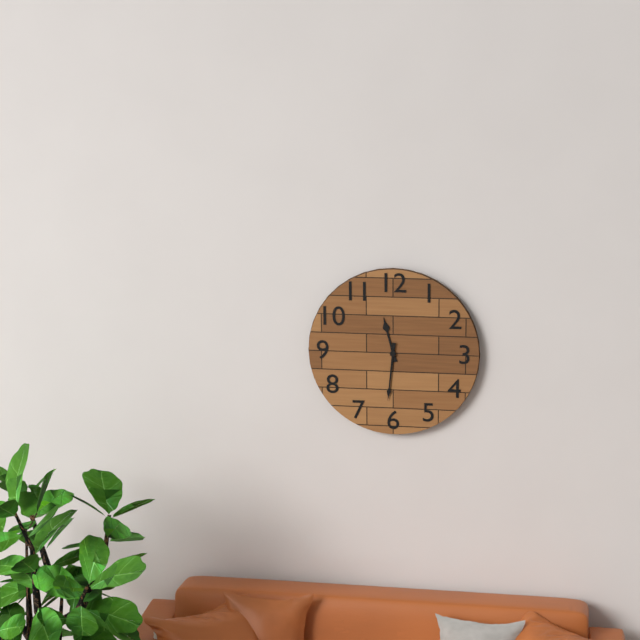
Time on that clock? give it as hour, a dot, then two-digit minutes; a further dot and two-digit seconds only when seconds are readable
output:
11.31
